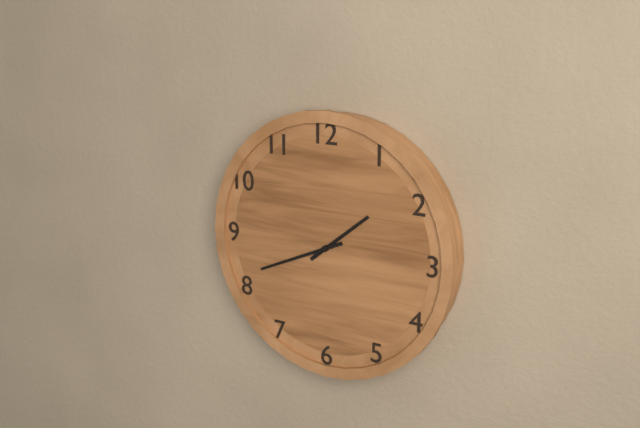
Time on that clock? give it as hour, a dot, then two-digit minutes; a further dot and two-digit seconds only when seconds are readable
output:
1.41
